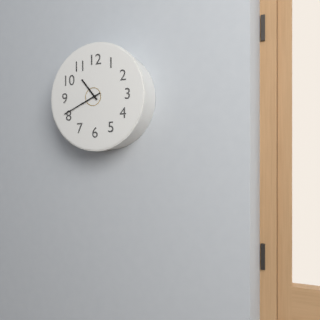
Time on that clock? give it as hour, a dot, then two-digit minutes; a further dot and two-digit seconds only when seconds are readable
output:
10.41
